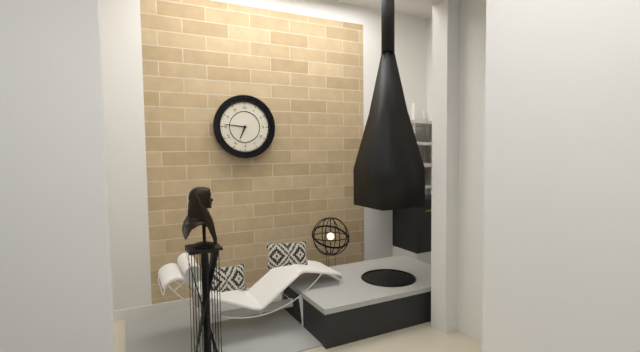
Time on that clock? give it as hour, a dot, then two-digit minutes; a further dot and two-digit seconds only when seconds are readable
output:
6.46
